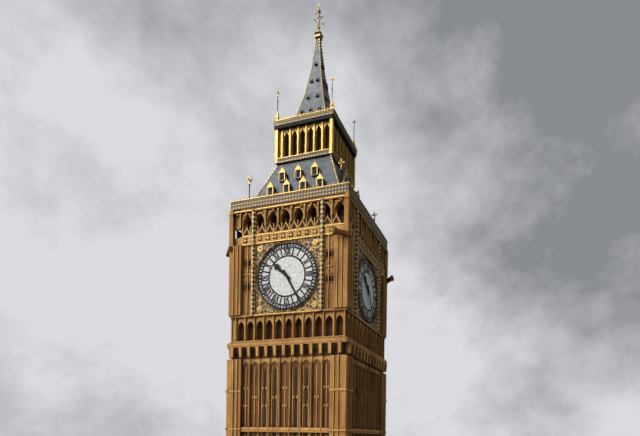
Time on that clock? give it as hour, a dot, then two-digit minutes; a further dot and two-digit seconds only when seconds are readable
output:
10.25
